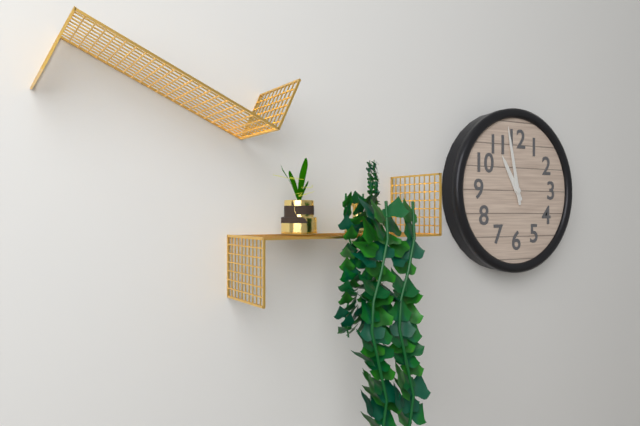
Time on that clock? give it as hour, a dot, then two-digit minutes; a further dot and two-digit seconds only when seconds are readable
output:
10.58
